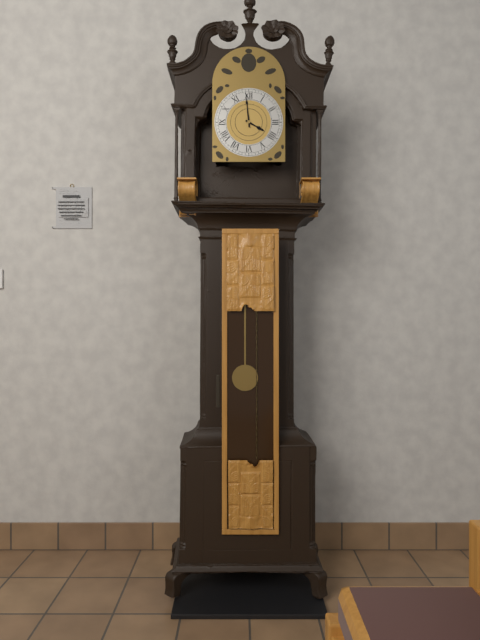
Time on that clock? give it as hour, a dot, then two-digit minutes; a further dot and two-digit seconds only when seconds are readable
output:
3.59
